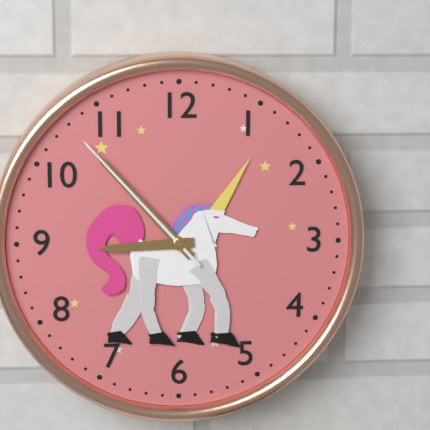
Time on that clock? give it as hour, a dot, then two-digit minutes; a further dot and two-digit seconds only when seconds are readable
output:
8.53.53
